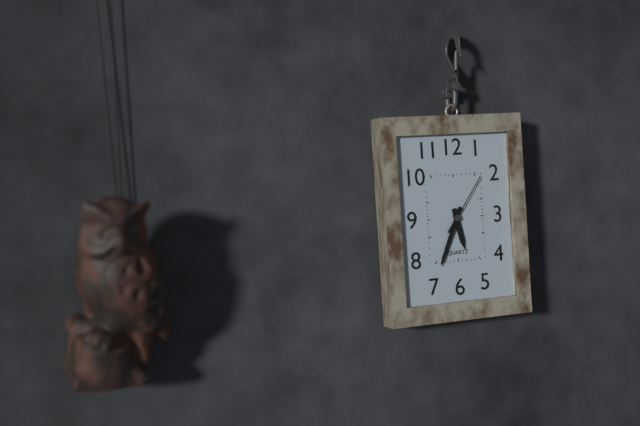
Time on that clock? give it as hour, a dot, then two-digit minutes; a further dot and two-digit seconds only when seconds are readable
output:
5.34.06
